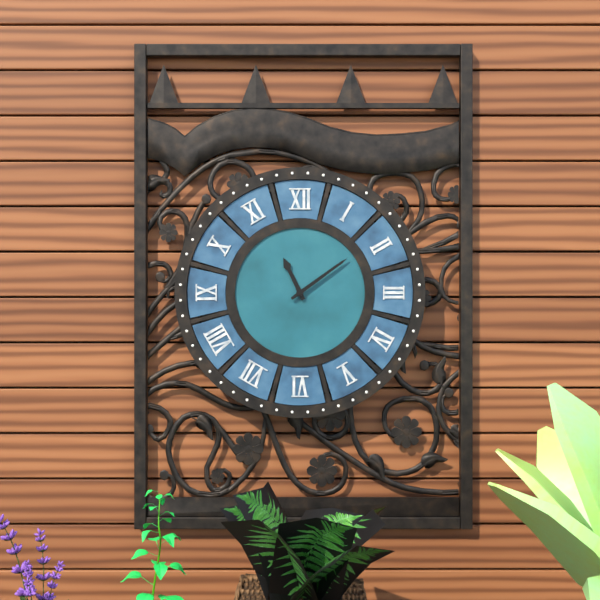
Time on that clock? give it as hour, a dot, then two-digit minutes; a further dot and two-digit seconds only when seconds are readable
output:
11.09
